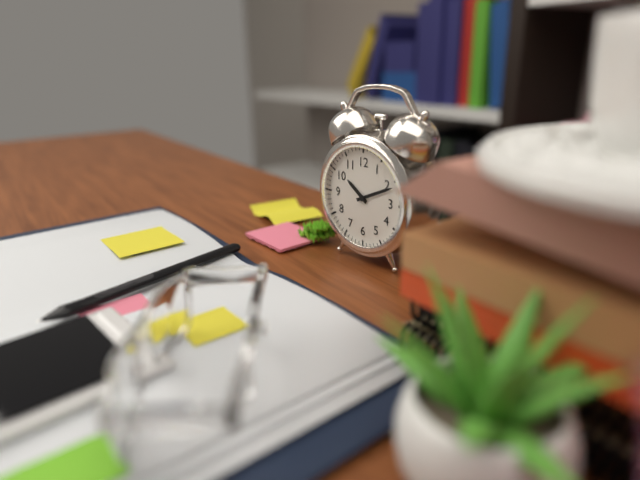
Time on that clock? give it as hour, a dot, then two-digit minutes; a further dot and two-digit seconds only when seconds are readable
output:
10.11
